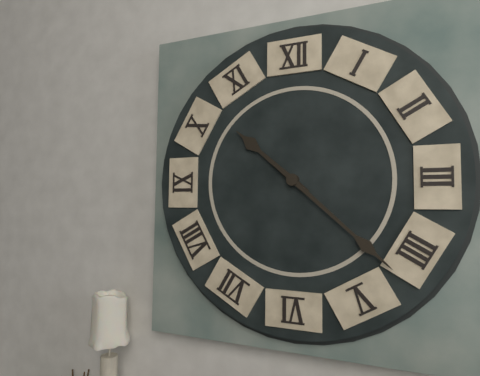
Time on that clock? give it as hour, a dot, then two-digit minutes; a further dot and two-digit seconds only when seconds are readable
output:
10.22
